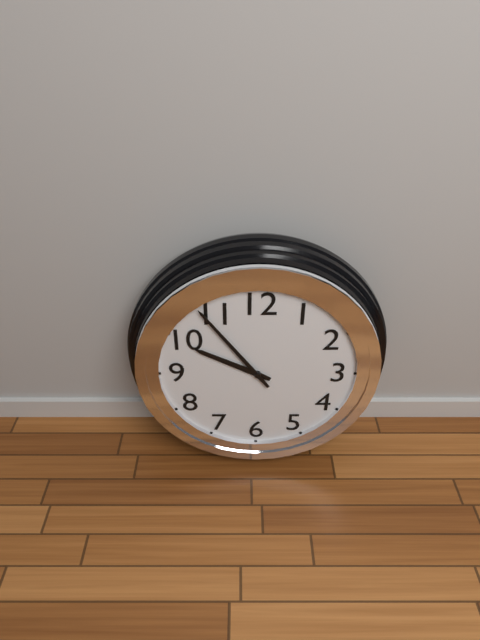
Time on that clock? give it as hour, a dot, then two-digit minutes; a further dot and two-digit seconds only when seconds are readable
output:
9.54
